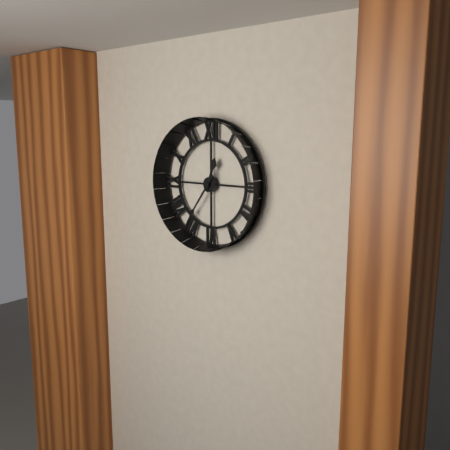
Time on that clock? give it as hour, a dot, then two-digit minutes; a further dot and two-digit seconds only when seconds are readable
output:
12.36
